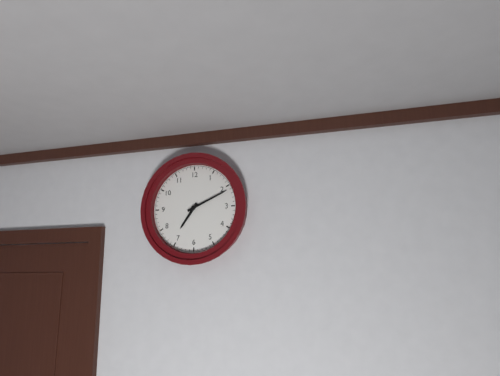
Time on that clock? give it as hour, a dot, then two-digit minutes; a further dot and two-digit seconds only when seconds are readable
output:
7.11
